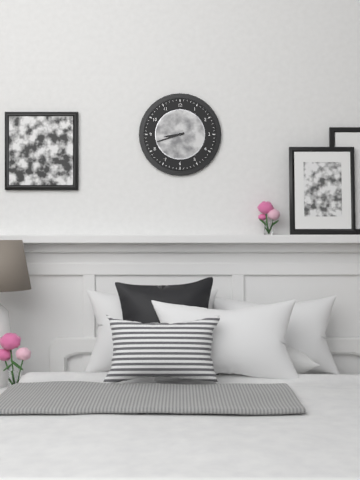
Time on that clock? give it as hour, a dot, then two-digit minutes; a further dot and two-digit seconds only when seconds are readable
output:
8.42
